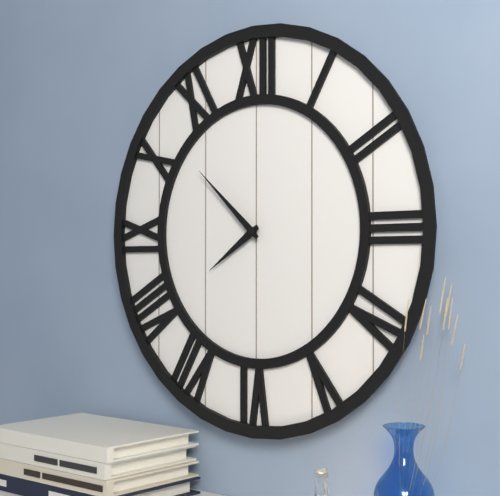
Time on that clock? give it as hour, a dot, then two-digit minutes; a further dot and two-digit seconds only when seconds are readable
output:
7.52
